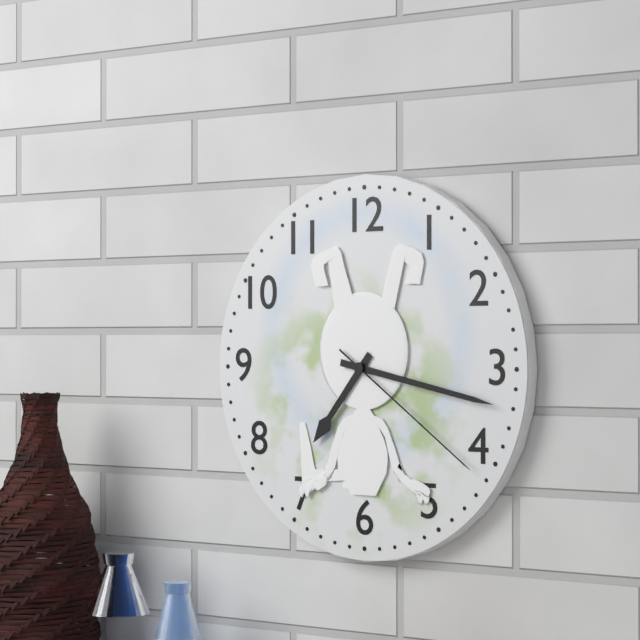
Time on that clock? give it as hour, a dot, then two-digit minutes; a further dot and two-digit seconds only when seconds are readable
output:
7.17.21
